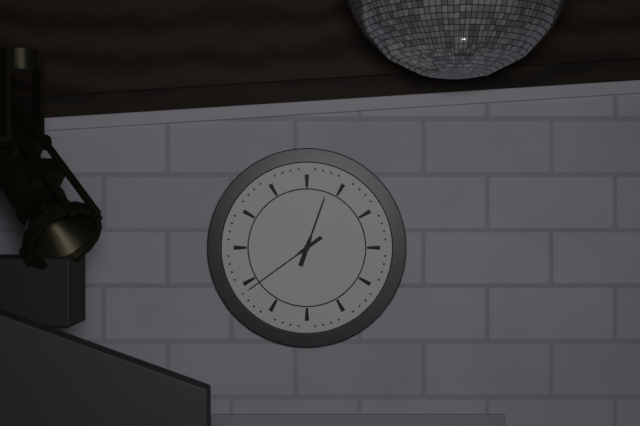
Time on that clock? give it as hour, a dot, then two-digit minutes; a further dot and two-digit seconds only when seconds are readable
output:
12.39
